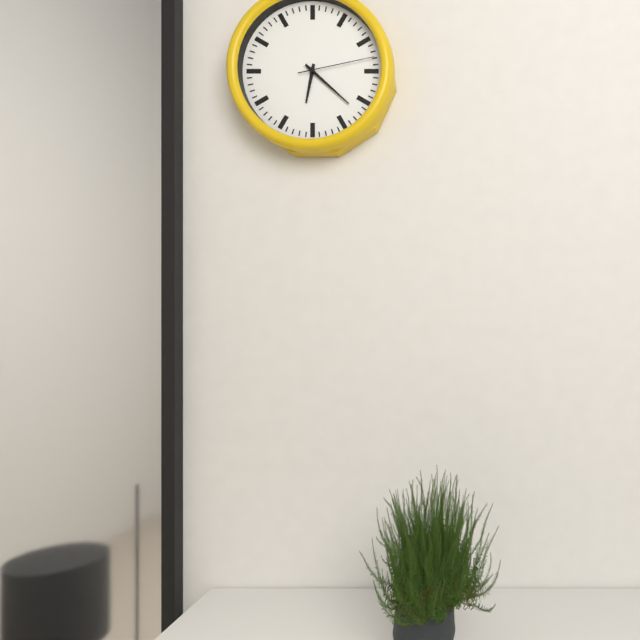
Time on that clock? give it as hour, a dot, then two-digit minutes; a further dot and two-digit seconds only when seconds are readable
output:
6.22.13
